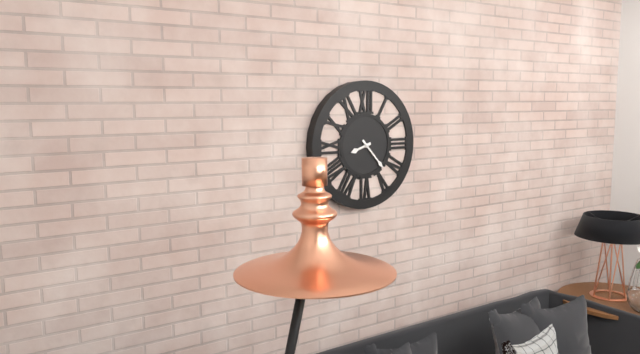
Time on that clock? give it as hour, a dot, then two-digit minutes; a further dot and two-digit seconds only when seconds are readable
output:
8.23
